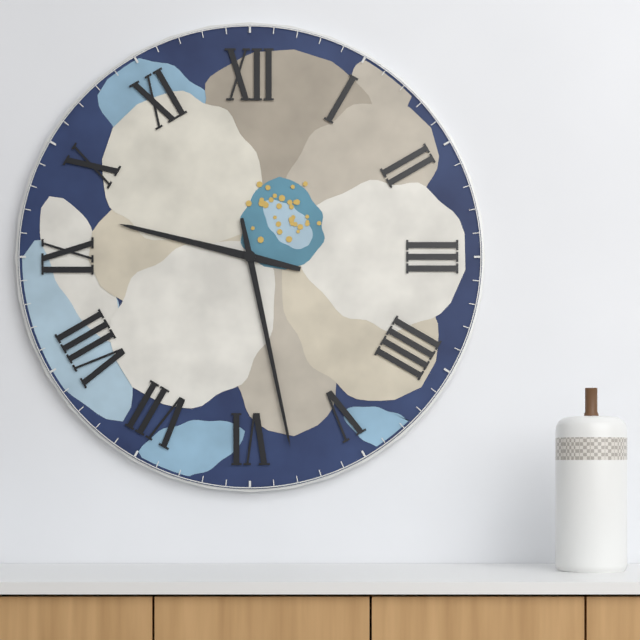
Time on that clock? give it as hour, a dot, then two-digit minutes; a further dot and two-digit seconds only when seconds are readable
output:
9.28
